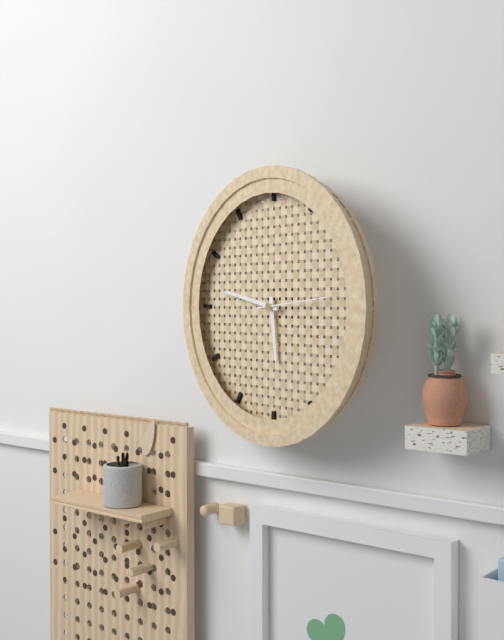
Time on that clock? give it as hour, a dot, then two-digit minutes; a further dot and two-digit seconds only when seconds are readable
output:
5.47.14
